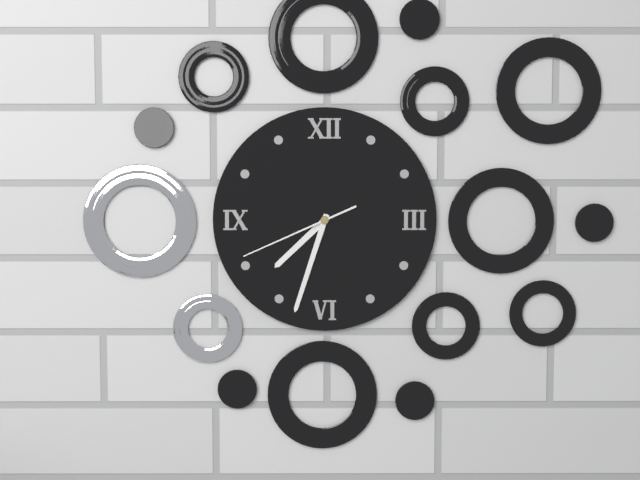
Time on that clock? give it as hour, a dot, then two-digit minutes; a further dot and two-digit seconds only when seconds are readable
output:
7.33.41
